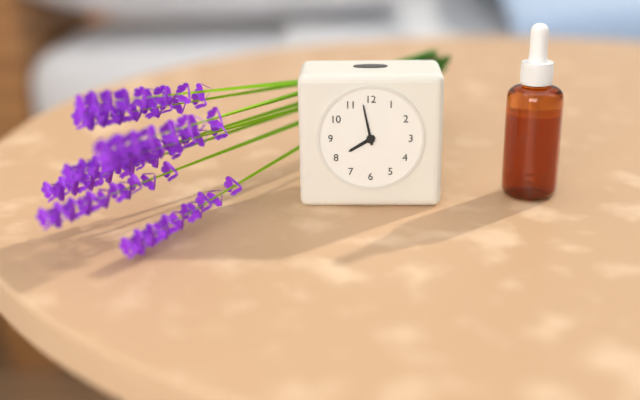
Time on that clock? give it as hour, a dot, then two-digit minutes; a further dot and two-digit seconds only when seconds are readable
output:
7.58
